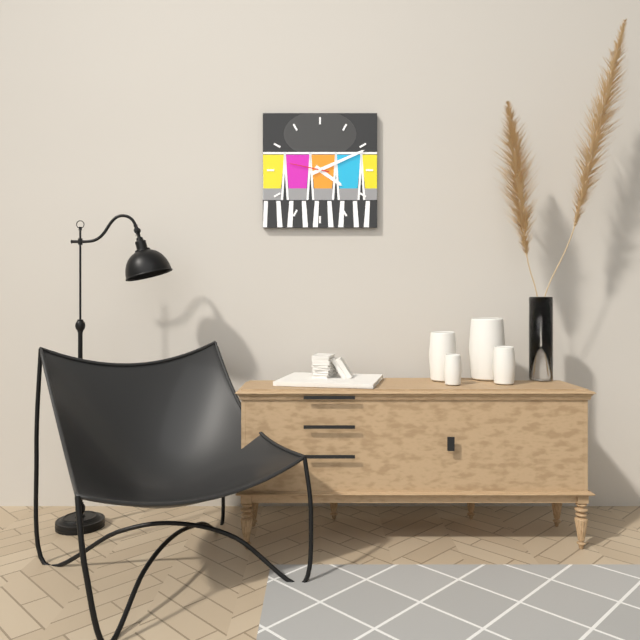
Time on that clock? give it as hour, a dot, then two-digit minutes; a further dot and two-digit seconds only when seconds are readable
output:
4.11
